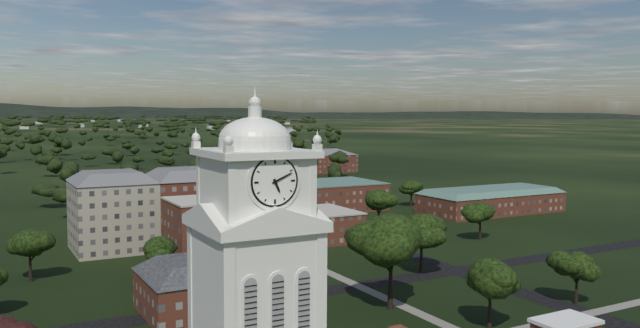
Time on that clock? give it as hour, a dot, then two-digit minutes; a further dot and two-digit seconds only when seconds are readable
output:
5.11
